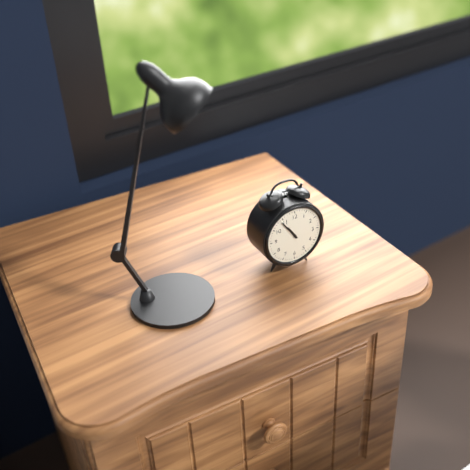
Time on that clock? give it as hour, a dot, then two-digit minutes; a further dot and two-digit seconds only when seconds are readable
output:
10.54
